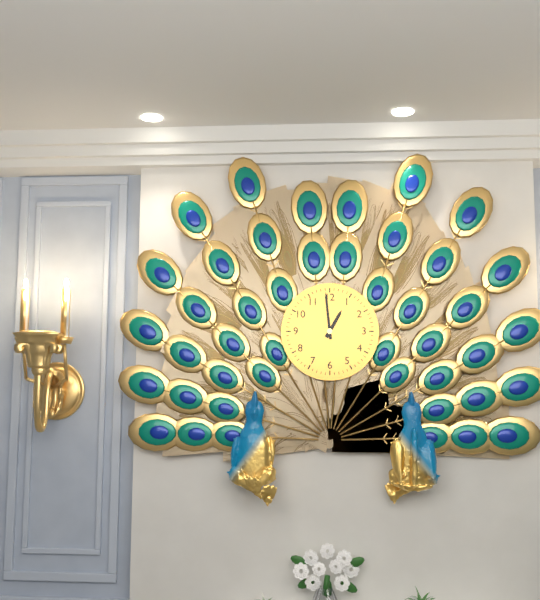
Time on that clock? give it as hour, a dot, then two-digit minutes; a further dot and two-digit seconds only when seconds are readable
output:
12.59
